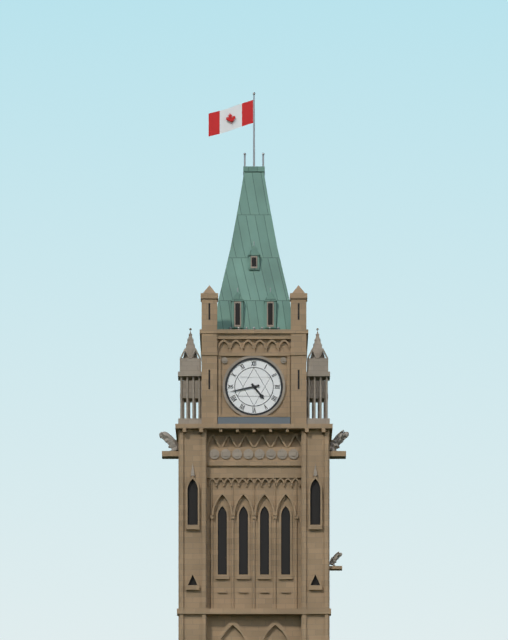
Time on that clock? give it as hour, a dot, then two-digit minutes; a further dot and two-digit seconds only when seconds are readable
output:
4.43
